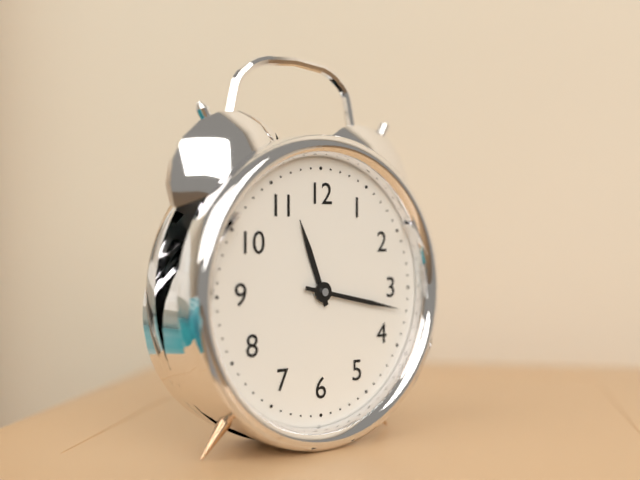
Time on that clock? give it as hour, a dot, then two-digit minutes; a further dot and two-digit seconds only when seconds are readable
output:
11.17
